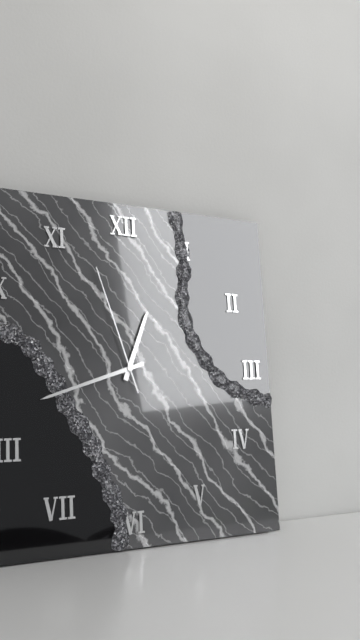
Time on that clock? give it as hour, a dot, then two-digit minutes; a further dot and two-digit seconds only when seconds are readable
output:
12.42.57
